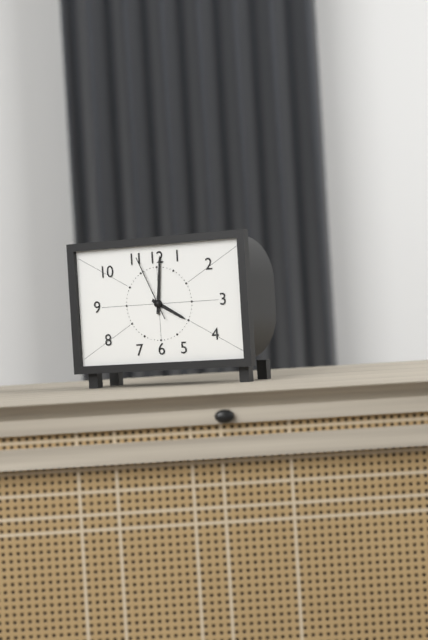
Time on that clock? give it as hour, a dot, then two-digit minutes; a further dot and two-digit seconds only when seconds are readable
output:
4.01.56
